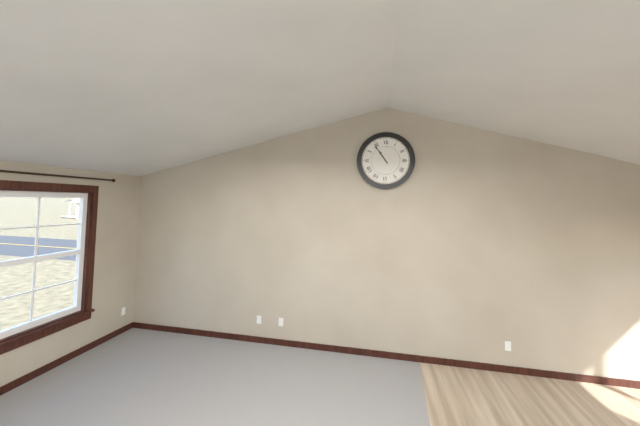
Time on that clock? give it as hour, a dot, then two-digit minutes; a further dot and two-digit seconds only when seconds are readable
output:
10.54
